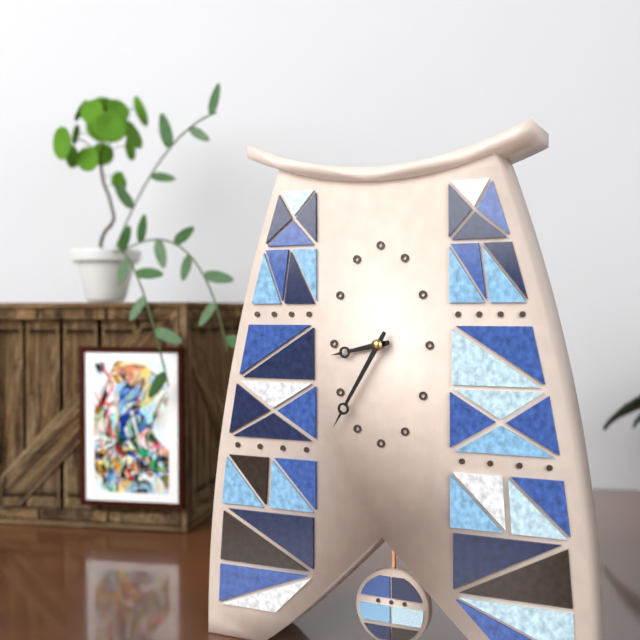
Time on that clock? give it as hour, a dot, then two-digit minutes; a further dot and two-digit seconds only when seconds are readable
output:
8.35
